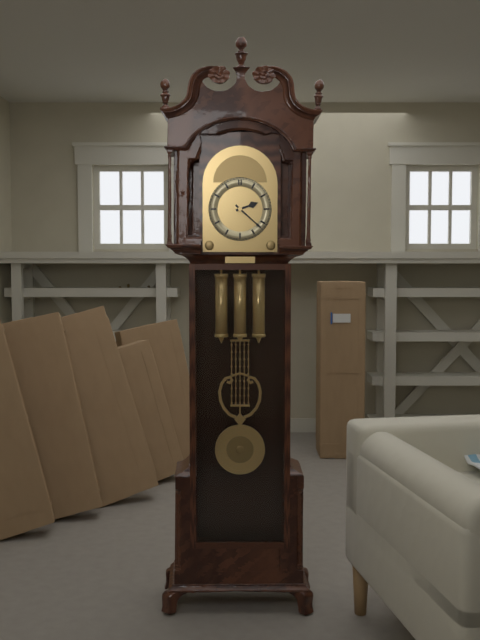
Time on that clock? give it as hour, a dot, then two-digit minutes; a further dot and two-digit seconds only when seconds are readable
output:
2.22
